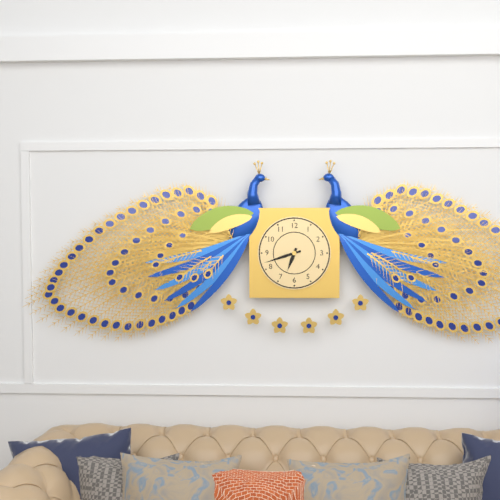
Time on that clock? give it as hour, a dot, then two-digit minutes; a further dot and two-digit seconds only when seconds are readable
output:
6.42
